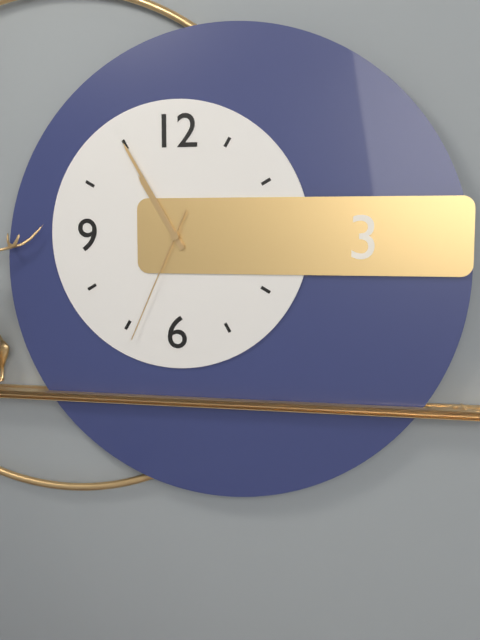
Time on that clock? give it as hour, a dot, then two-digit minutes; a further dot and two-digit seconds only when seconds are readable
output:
10.55.34
